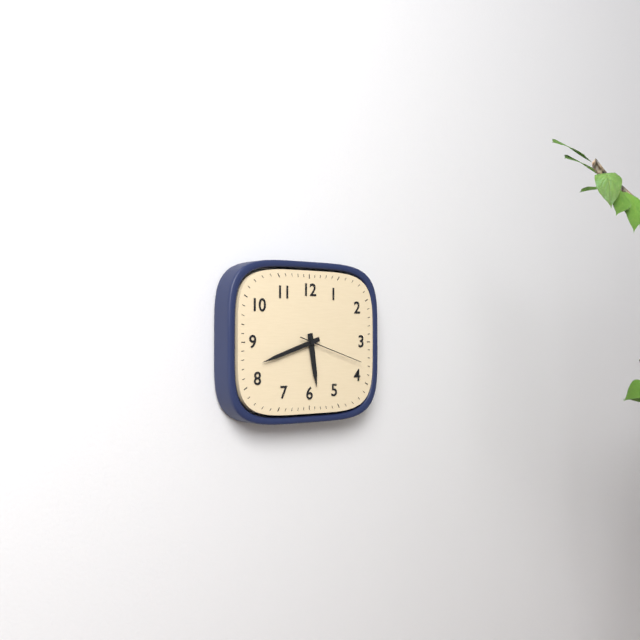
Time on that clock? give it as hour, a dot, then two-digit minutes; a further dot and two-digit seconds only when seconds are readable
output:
5.42.18
